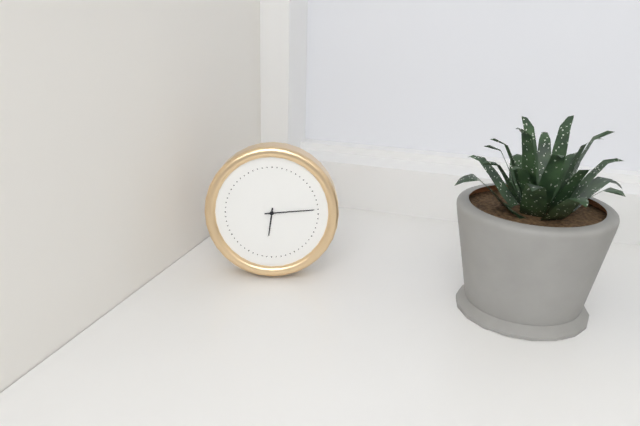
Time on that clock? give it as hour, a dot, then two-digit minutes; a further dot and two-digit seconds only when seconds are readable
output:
6.14
